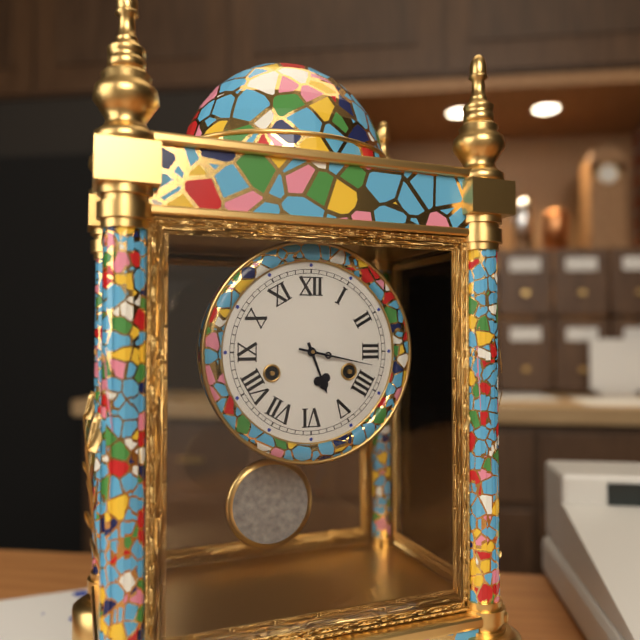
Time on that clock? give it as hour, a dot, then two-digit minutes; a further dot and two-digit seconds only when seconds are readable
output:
5.17
